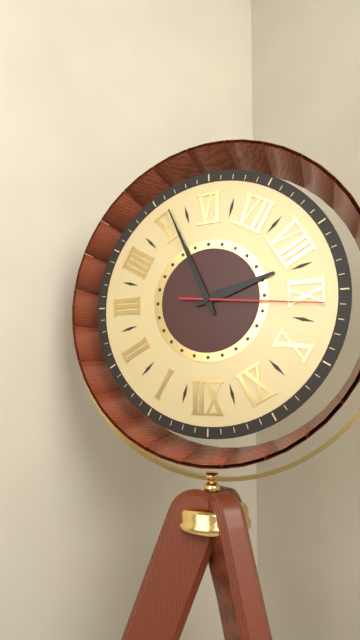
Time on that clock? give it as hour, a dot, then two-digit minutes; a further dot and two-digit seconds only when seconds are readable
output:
8.26.46
